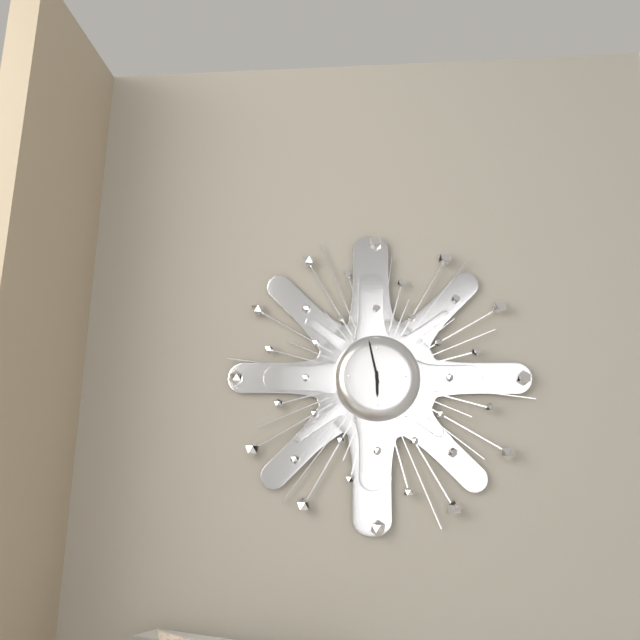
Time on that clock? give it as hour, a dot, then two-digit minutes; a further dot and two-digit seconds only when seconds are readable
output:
5.58
